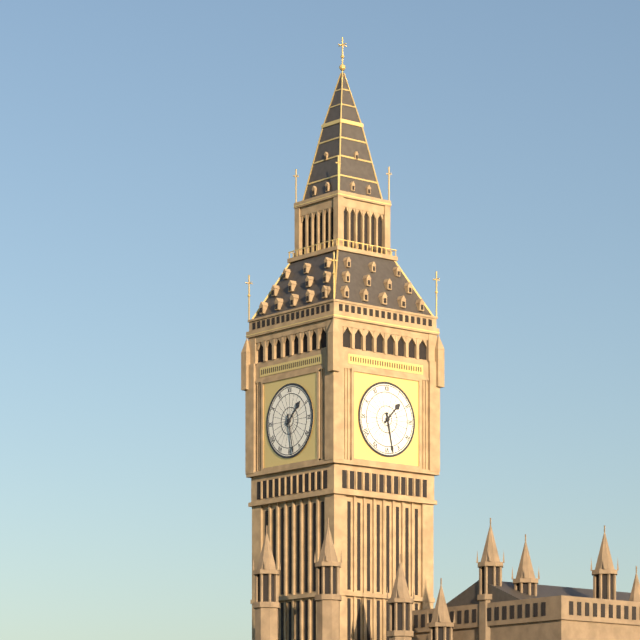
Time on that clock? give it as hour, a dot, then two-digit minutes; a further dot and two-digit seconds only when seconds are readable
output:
1.28
